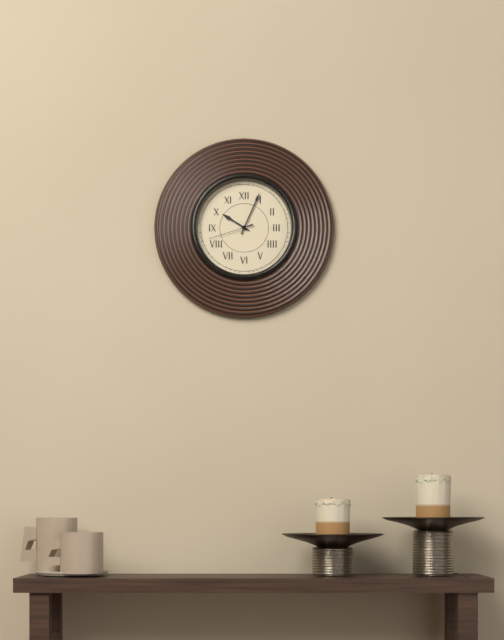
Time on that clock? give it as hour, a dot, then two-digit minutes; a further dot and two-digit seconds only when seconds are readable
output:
10.04
